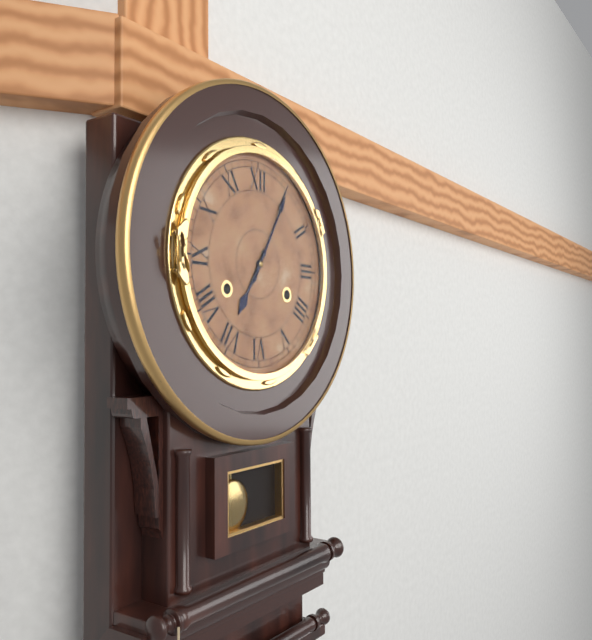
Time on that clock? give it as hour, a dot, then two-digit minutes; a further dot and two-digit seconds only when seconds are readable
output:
7.05
